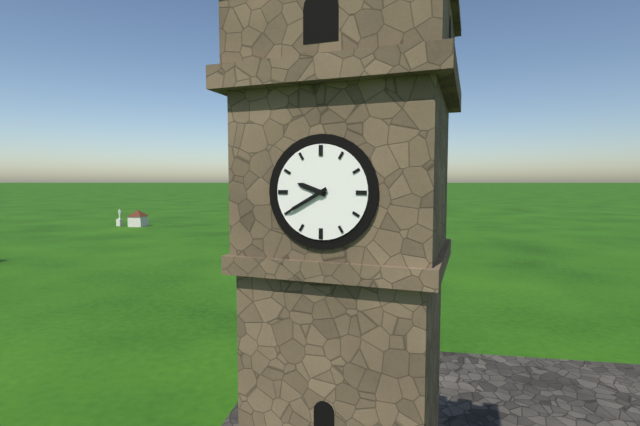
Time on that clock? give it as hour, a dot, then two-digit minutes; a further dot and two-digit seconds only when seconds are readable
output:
9.40
